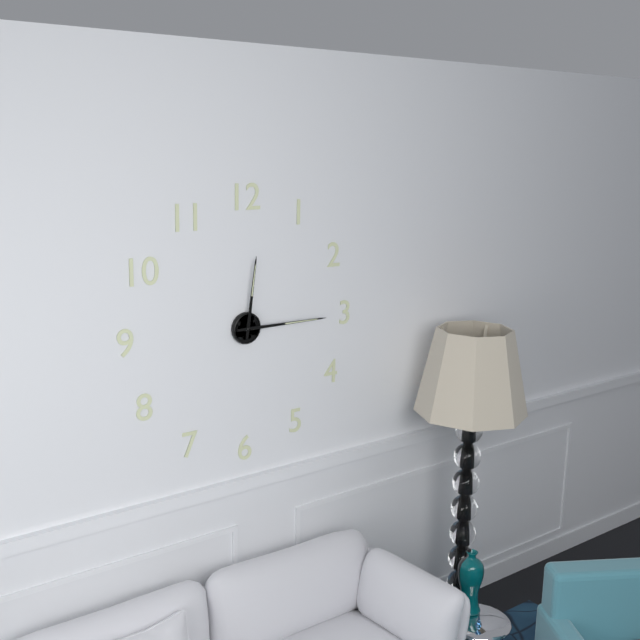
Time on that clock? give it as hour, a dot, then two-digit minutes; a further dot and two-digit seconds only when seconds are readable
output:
12.15
